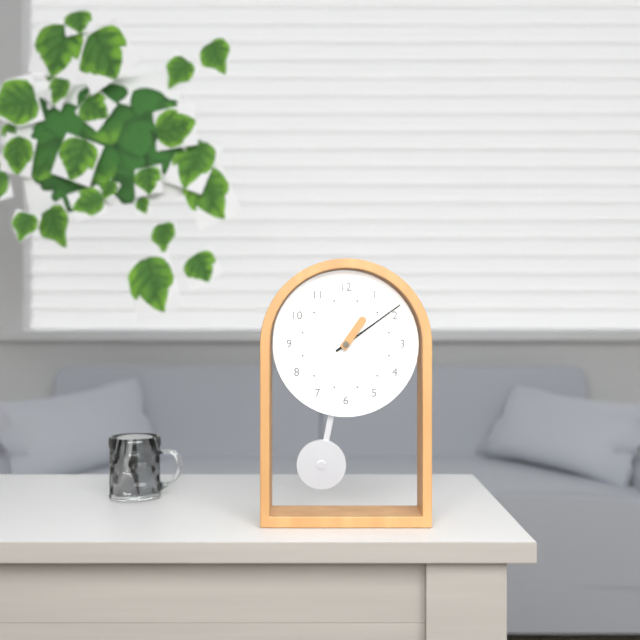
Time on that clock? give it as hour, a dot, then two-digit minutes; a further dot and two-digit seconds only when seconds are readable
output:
1.09
